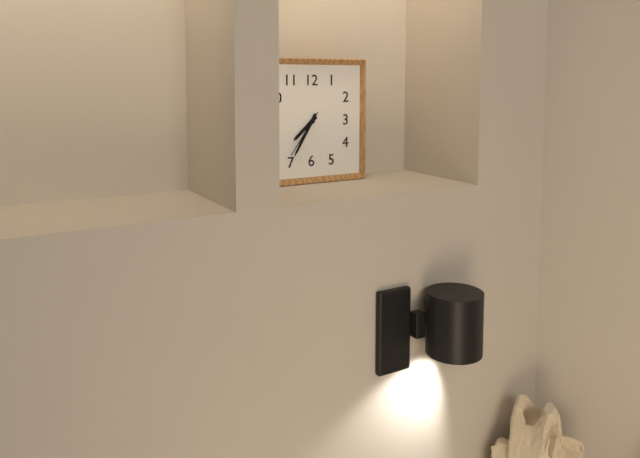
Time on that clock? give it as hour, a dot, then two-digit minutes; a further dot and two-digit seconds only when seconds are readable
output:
7.35.36
